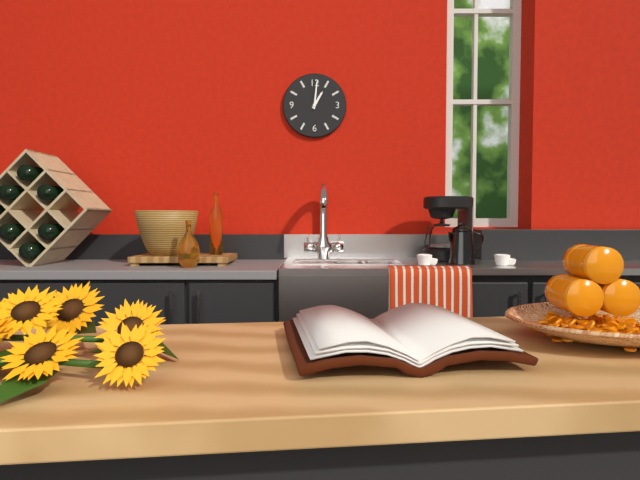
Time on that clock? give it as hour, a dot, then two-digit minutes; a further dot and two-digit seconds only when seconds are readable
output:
1.01
